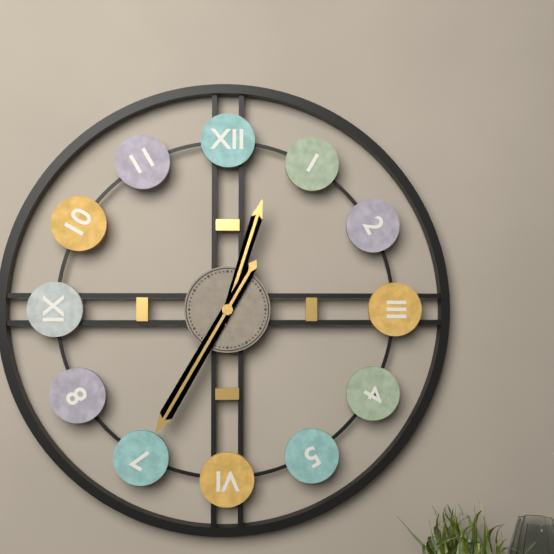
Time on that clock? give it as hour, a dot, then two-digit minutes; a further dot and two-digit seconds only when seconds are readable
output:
12.35
